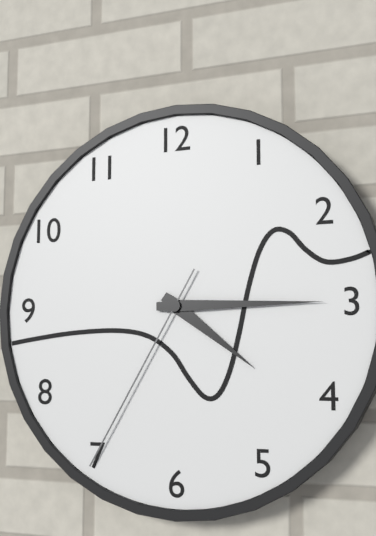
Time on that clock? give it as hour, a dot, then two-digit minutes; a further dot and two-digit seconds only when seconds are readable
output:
4.15.35
